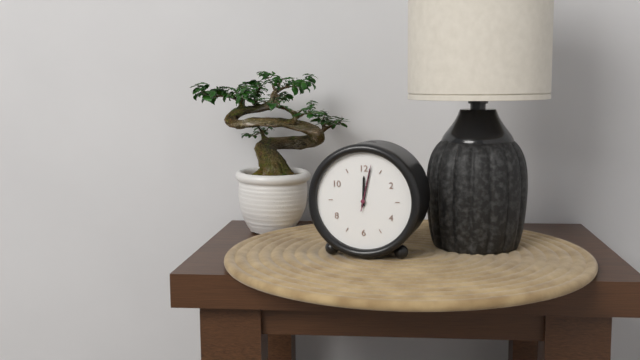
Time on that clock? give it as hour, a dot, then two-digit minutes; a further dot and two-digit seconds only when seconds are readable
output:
12.02
